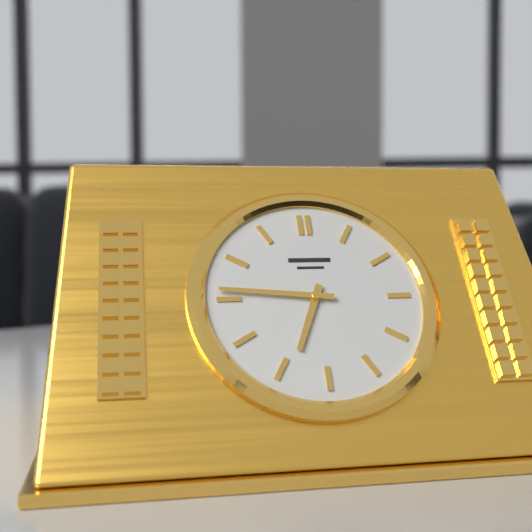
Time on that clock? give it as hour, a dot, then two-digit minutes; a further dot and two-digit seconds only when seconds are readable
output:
6.46
